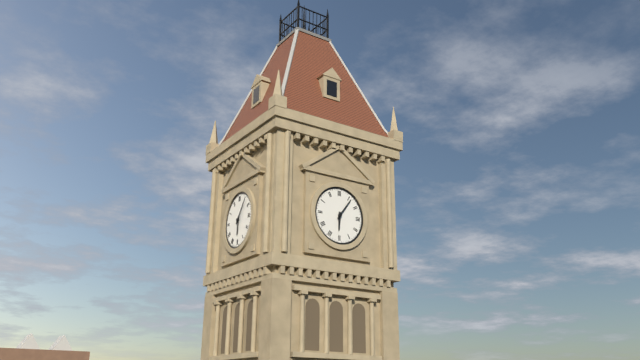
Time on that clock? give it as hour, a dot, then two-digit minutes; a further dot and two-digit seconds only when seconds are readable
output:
6.06
